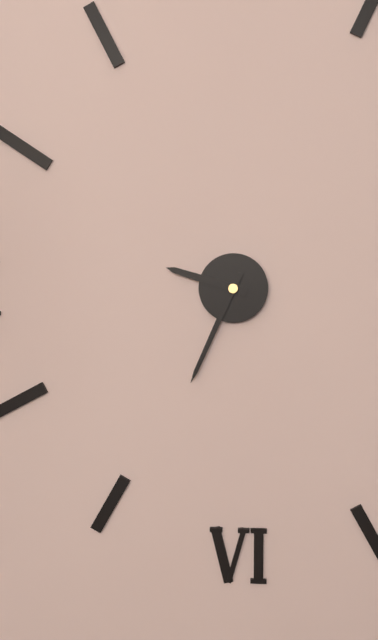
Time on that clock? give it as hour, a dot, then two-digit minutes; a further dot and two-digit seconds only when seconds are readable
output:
9.34
